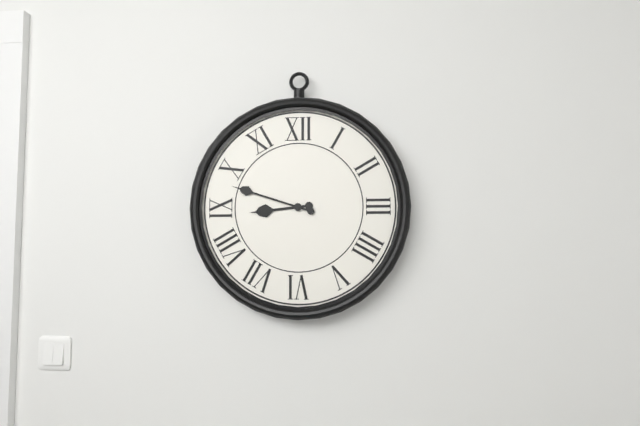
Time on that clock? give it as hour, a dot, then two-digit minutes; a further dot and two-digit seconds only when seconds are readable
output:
8.48
